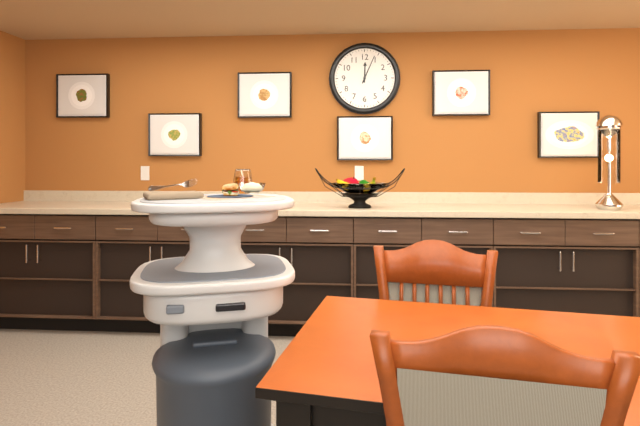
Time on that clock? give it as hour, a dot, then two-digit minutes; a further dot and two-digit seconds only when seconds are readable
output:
12.04
